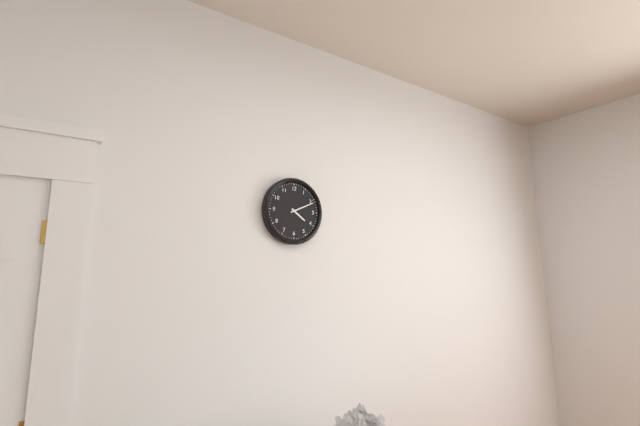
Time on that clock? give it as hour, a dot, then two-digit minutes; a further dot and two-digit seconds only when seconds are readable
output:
4.11
